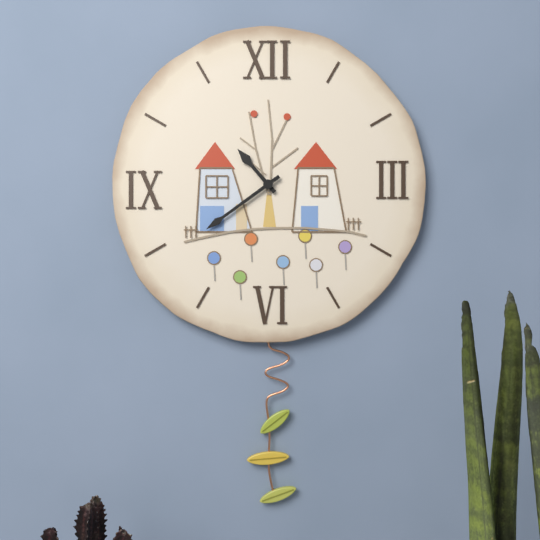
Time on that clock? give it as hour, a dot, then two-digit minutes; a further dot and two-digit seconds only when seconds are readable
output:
10.39
